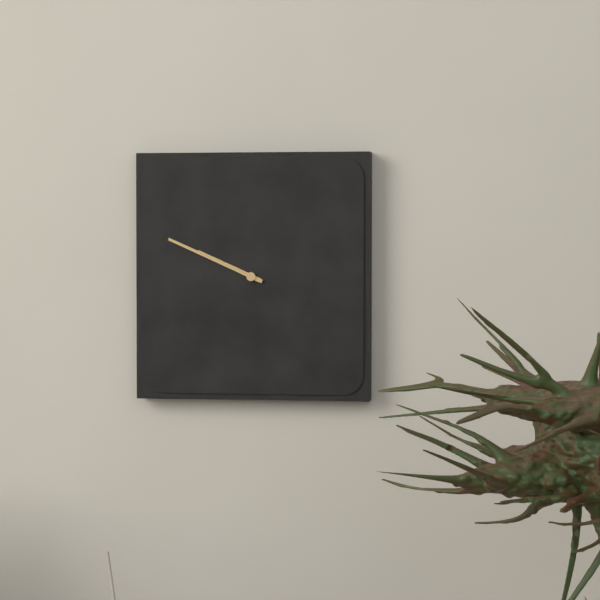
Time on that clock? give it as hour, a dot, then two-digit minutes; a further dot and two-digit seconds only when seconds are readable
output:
9.49
